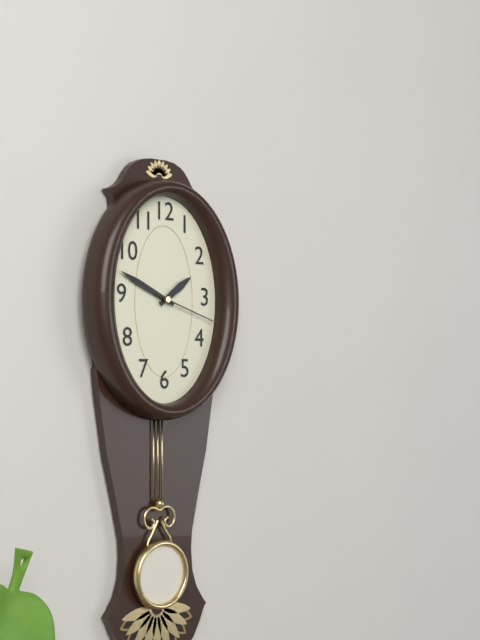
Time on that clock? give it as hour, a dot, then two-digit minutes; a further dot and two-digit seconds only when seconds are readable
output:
1.49.18
